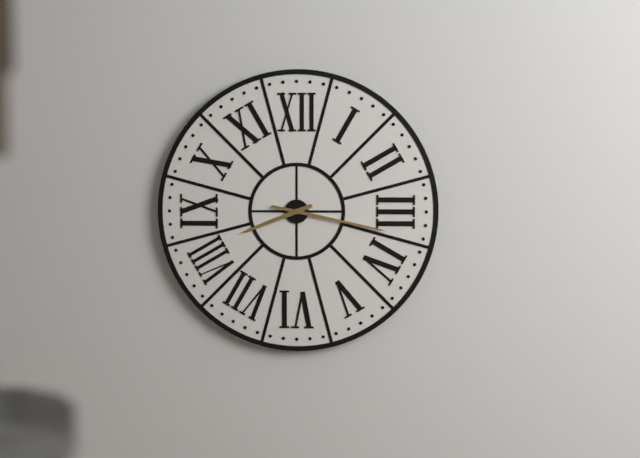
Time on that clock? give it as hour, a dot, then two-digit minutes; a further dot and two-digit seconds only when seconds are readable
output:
8.17
